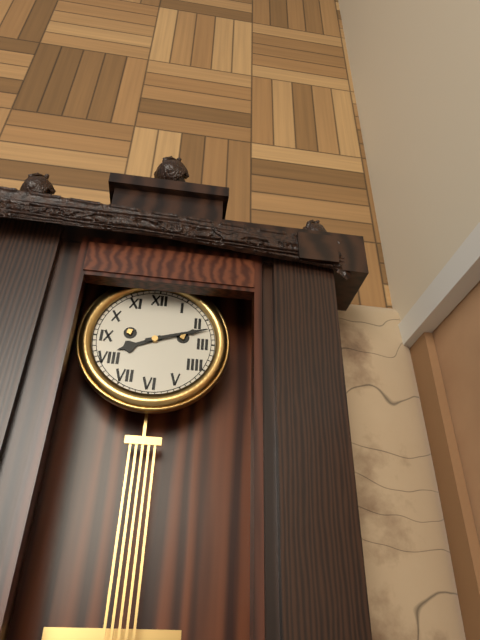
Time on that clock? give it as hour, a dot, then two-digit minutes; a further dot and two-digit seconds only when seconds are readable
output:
8.12
